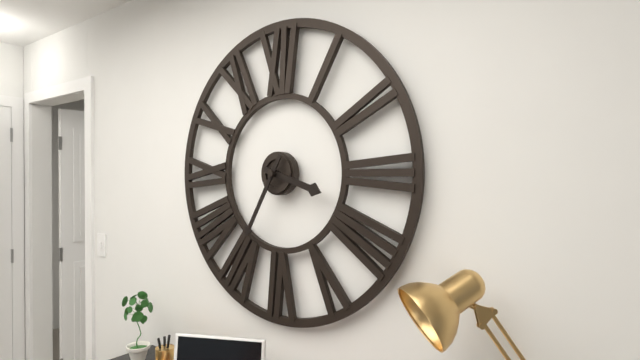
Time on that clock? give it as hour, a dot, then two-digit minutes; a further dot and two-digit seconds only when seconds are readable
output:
3.35
